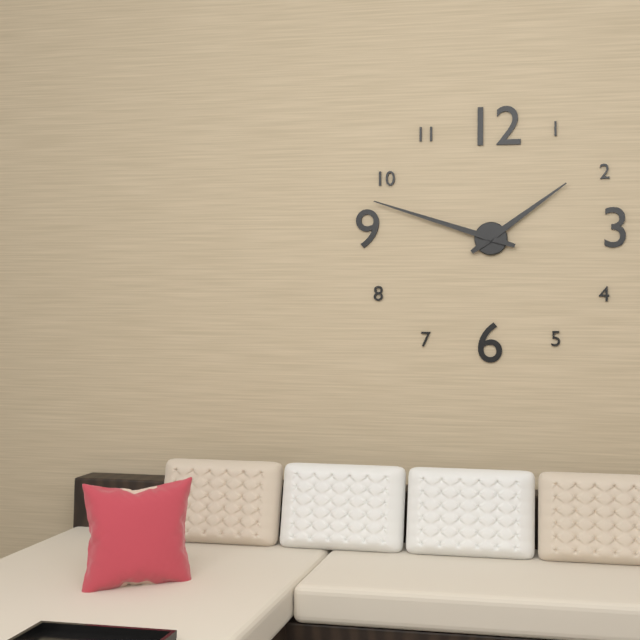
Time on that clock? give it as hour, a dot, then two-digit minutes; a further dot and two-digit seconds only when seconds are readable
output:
1.48
